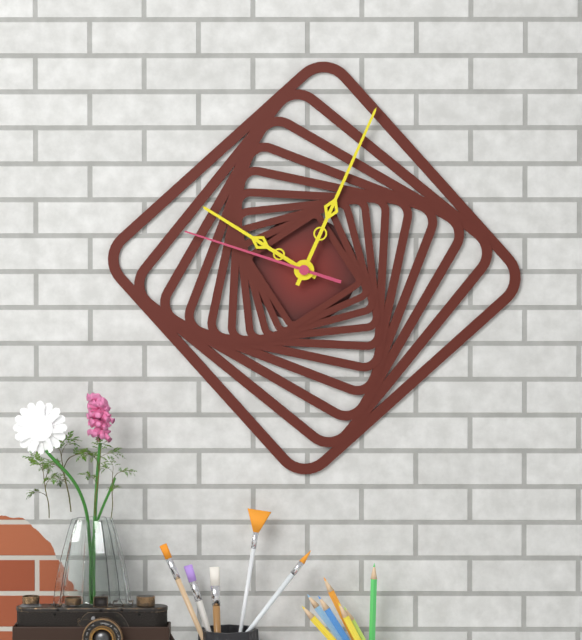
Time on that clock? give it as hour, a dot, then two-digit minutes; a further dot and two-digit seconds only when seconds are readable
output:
10.04.48
